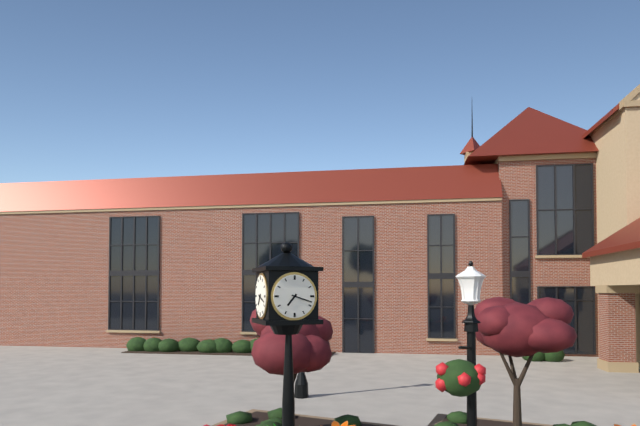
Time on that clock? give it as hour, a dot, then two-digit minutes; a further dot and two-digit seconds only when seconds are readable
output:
7.18
